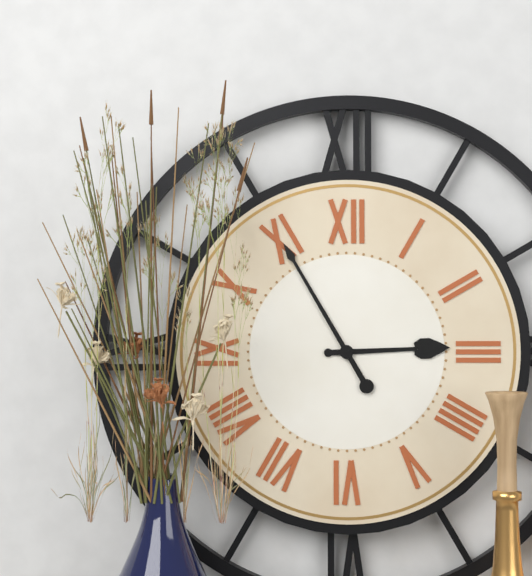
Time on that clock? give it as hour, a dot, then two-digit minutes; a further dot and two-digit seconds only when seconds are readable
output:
2.55
